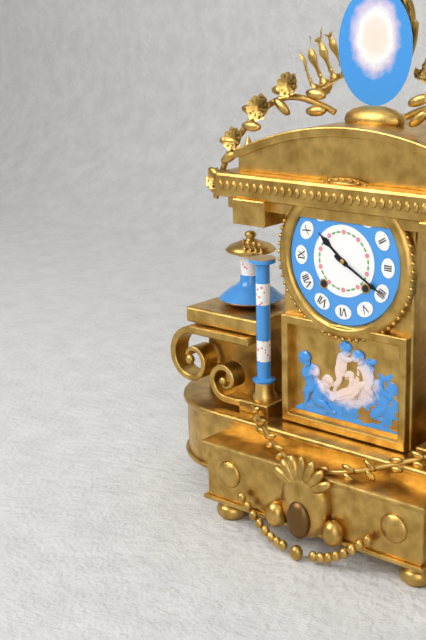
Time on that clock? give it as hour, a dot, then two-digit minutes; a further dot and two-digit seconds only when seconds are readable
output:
10.20
